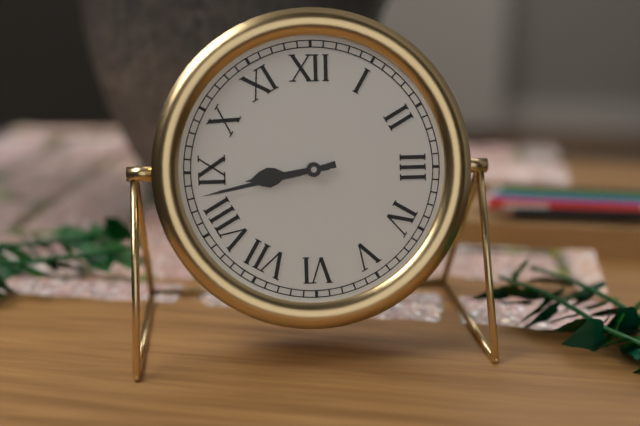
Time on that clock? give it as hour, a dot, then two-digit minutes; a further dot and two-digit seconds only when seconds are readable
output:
8.43
